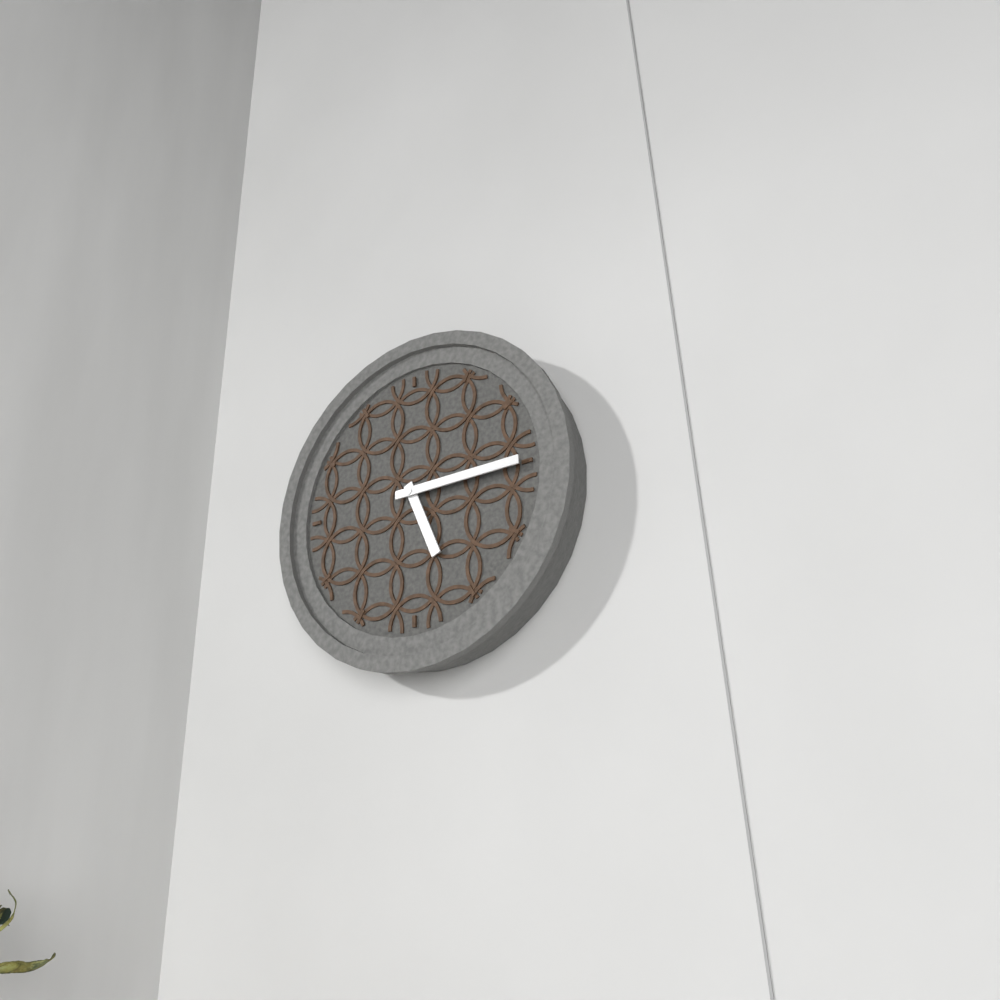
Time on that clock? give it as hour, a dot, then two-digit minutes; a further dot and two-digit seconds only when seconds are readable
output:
5.15
